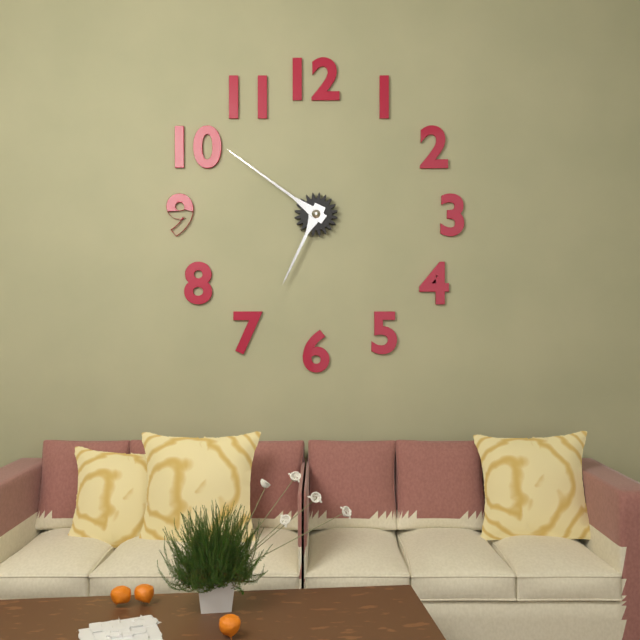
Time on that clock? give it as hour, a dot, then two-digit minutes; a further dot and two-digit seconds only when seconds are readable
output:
6.51
